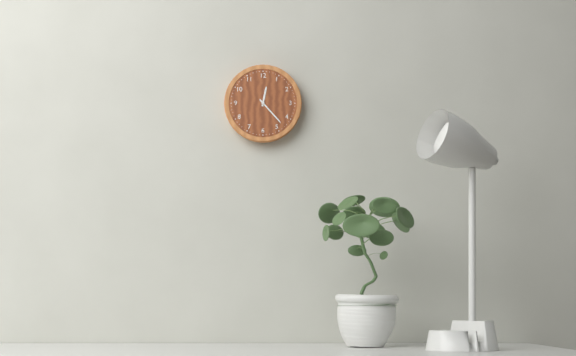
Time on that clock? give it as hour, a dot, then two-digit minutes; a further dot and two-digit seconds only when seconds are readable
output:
12.23
